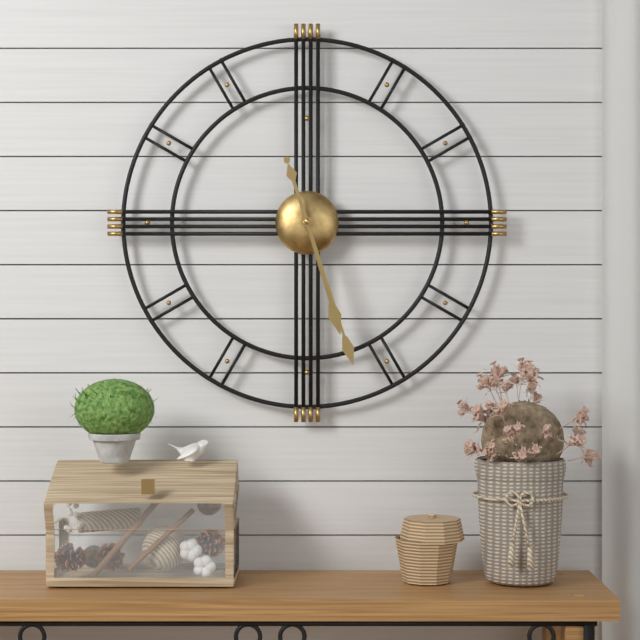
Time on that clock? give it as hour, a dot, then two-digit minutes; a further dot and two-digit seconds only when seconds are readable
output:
5.27
